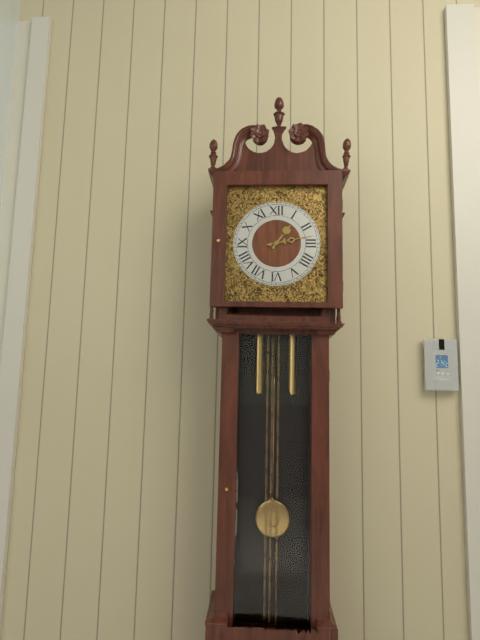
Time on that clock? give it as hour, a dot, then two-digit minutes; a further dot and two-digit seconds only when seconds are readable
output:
1.13
